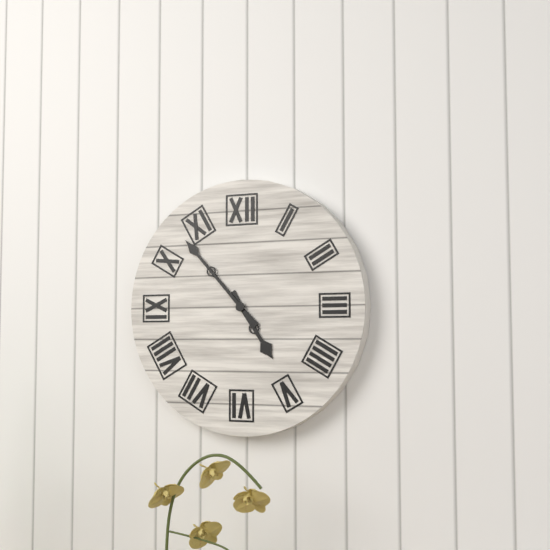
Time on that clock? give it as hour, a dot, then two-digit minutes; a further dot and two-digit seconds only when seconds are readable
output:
4.53
